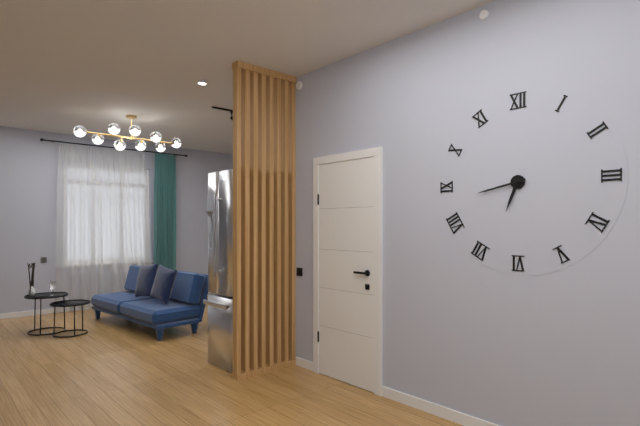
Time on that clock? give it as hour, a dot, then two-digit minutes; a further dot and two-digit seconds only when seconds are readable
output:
6.43
